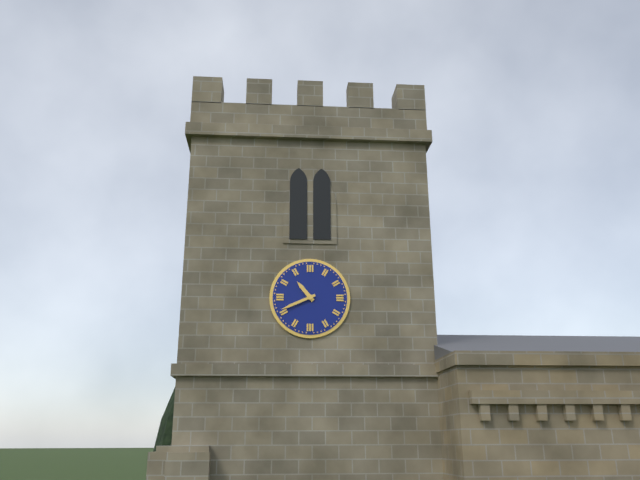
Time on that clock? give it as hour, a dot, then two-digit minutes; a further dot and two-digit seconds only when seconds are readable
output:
10.41
